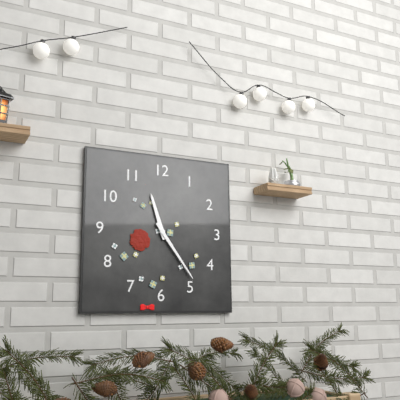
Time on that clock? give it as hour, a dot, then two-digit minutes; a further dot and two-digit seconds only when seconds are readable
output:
11.24
